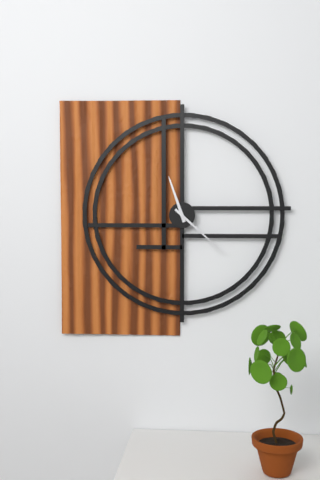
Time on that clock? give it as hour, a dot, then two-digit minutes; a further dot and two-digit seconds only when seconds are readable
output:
11.22
